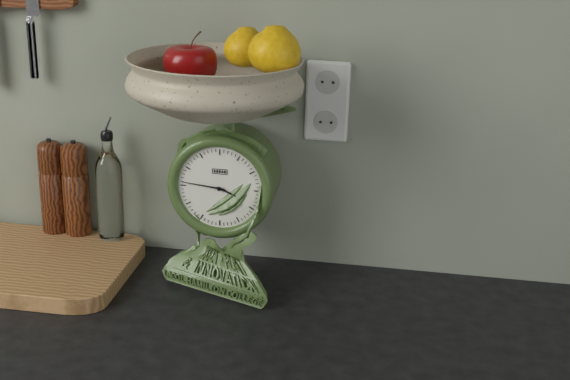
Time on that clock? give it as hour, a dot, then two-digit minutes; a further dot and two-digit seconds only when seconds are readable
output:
3.46
